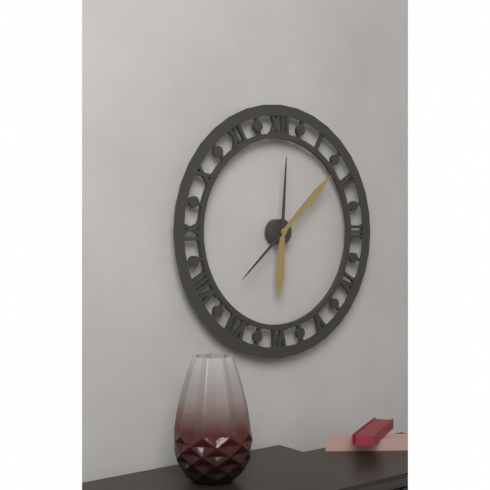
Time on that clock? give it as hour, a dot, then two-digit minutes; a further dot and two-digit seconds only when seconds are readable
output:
6.08
